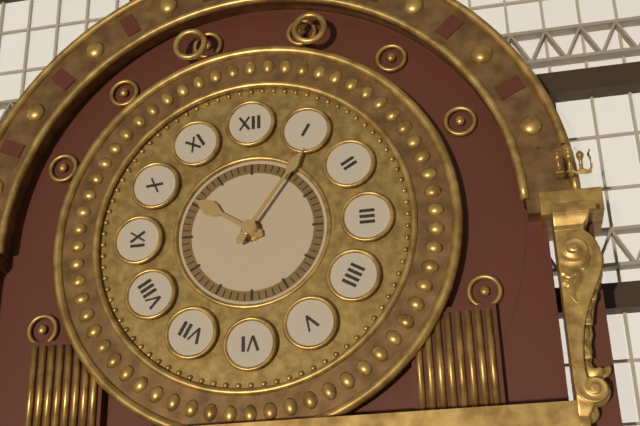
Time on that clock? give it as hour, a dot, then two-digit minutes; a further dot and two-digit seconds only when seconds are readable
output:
10.06
